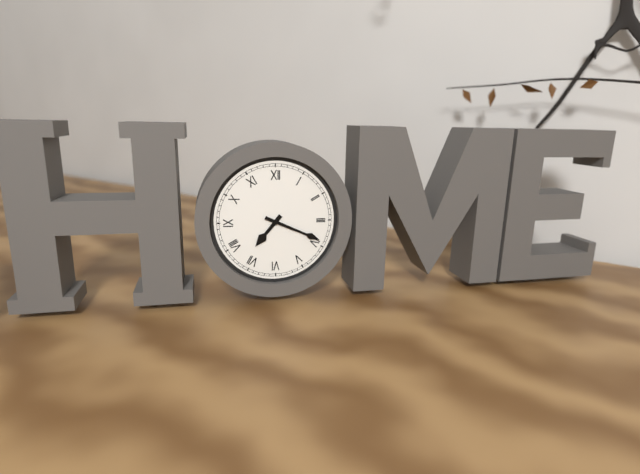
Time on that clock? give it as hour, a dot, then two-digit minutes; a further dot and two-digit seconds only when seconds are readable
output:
7.19
